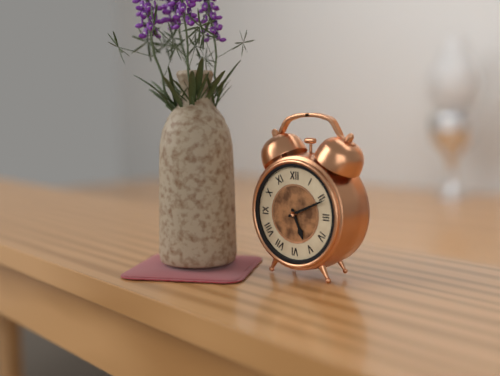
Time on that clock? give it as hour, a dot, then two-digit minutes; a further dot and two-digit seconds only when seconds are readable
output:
5.11
